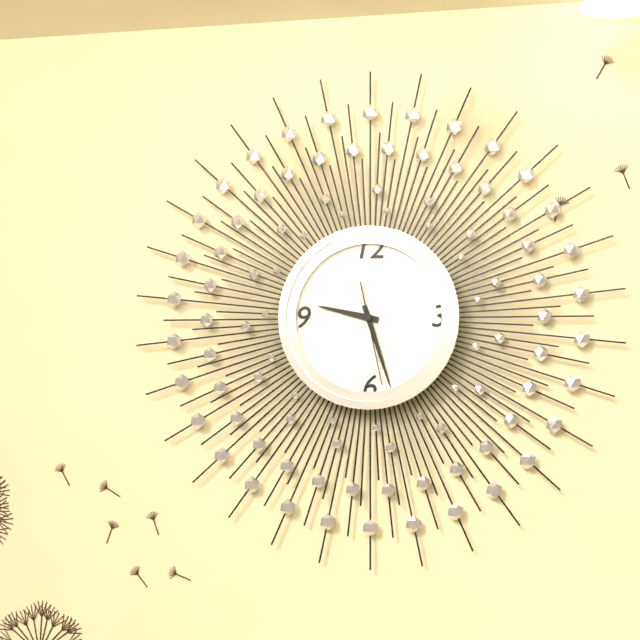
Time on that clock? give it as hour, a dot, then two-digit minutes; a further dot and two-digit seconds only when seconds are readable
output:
9.27.28
